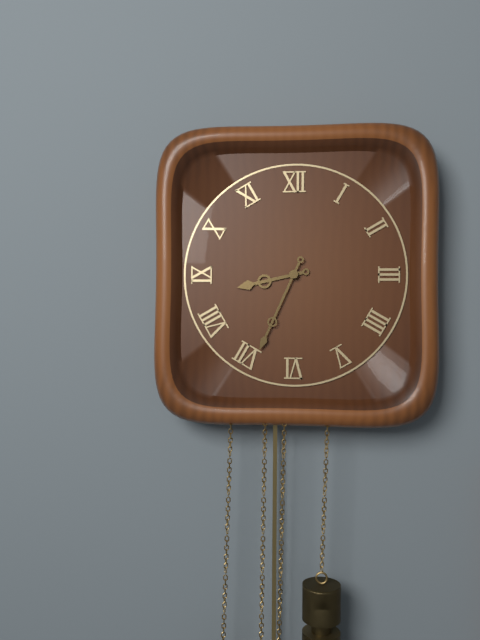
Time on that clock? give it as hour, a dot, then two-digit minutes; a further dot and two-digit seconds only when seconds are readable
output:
8.34
